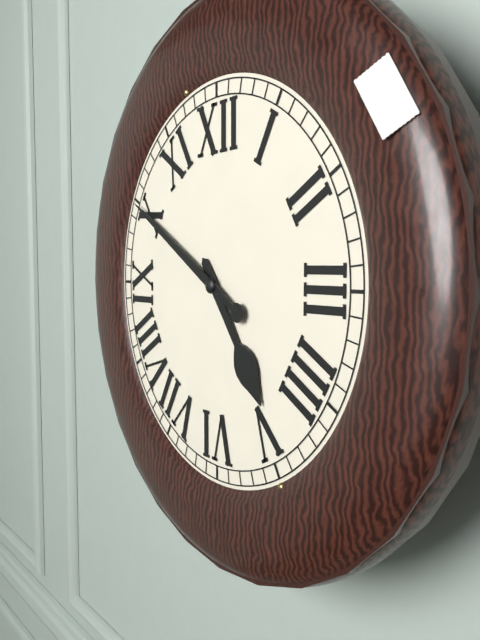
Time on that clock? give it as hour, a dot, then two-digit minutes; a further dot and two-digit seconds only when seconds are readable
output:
4.50
